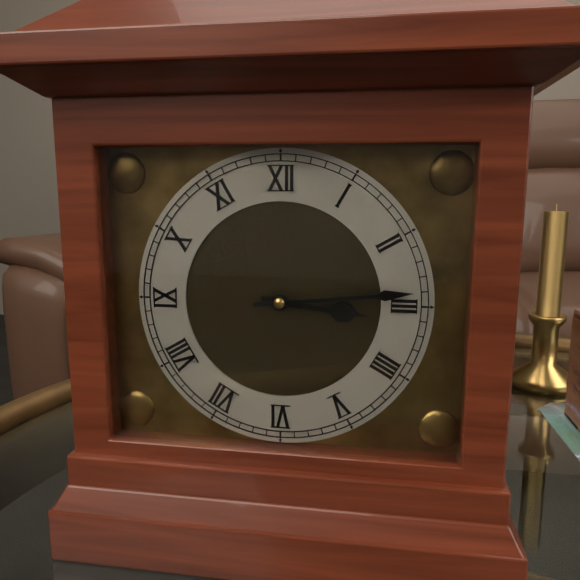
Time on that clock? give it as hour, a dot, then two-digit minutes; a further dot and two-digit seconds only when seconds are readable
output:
3.14
